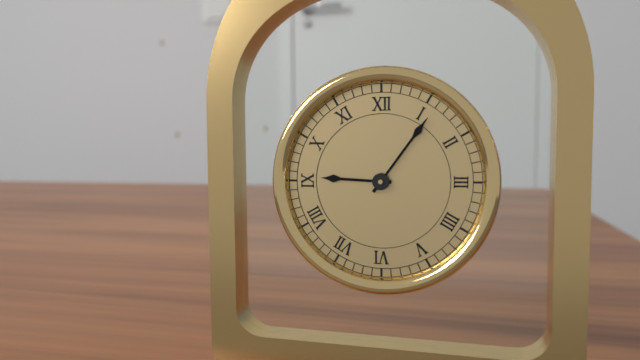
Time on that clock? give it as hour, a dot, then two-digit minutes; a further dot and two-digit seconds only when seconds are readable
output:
9.06
